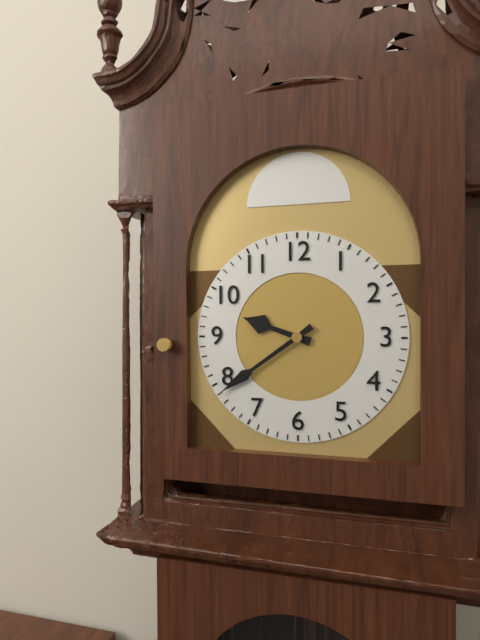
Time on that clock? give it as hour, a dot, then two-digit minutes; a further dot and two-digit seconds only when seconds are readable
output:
9.39
